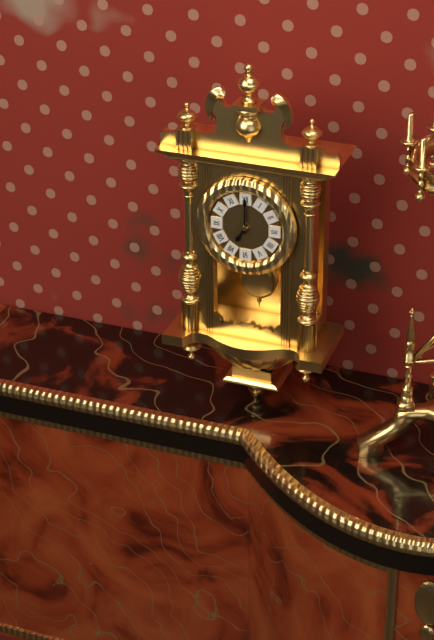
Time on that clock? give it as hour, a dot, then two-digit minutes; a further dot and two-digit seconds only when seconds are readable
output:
7.00
